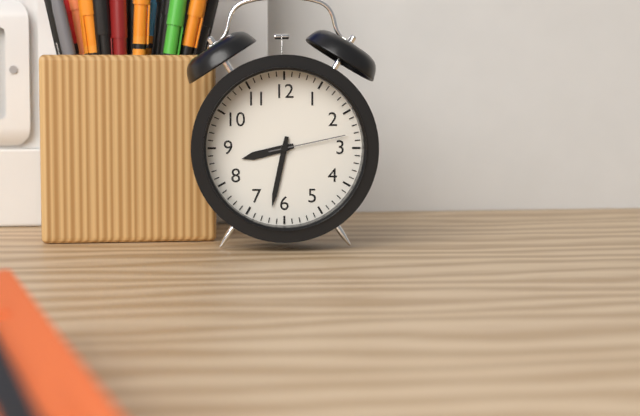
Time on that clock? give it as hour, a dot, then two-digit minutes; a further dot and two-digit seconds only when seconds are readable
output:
8.32.13
